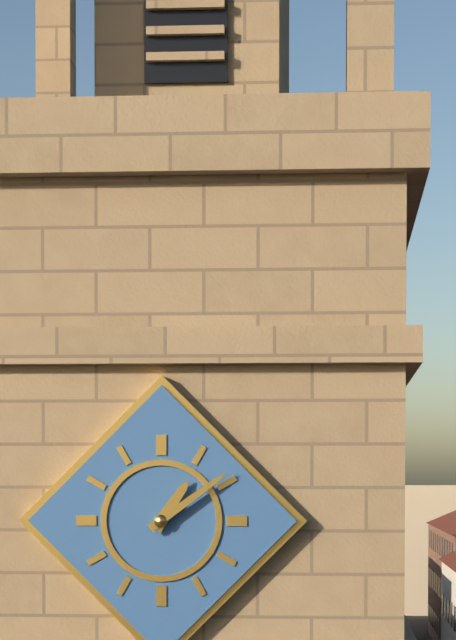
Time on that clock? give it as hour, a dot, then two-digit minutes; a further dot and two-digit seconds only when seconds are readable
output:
1.09
